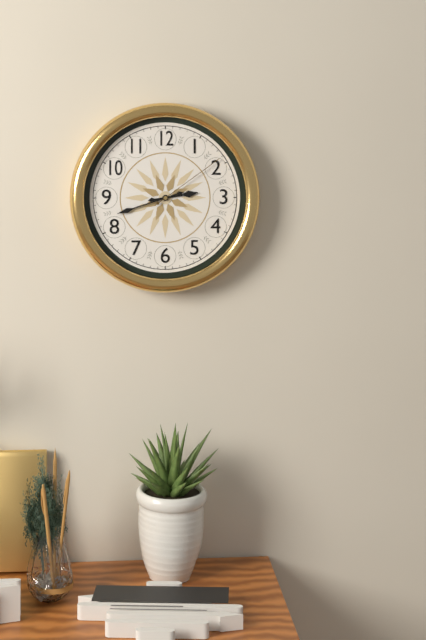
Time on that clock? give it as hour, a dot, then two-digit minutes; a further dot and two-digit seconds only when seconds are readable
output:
2.42.09
